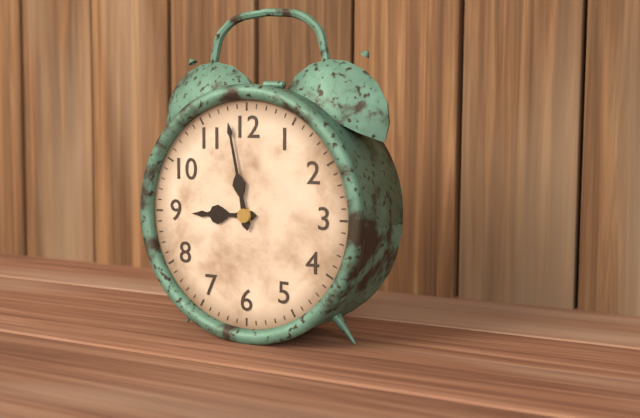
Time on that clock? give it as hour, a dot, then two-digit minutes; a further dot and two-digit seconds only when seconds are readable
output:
8.58
